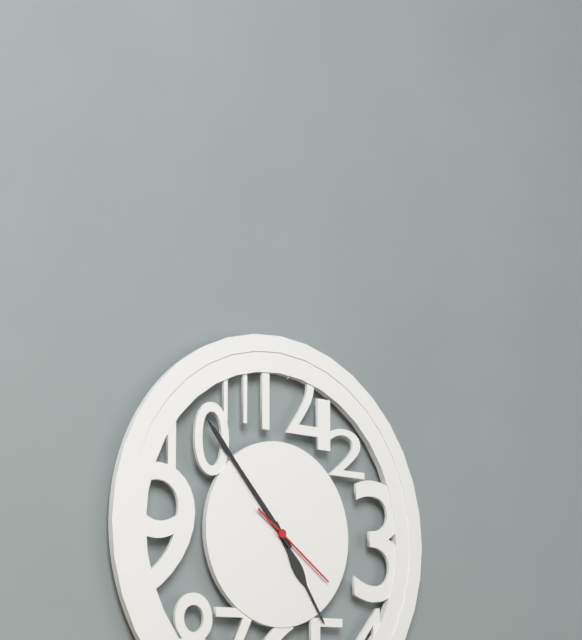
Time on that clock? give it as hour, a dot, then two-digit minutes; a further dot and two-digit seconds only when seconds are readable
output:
4.53.21
